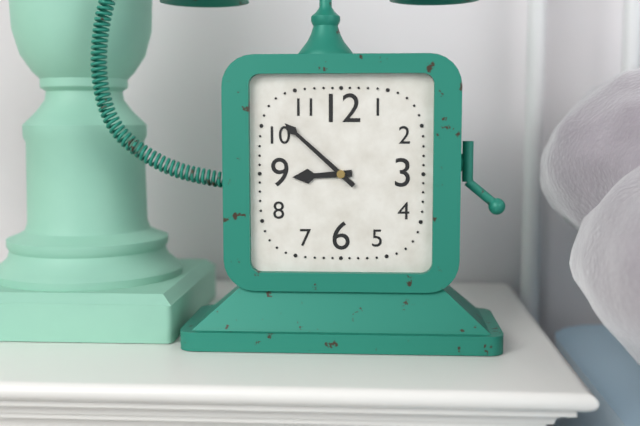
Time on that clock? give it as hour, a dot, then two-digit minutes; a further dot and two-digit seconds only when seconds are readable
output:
8.52
